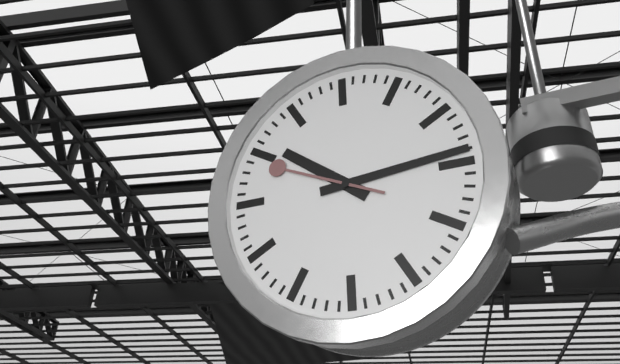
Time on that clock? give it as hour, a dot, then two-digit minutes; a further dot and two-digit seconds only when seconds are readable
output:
10.14.49
